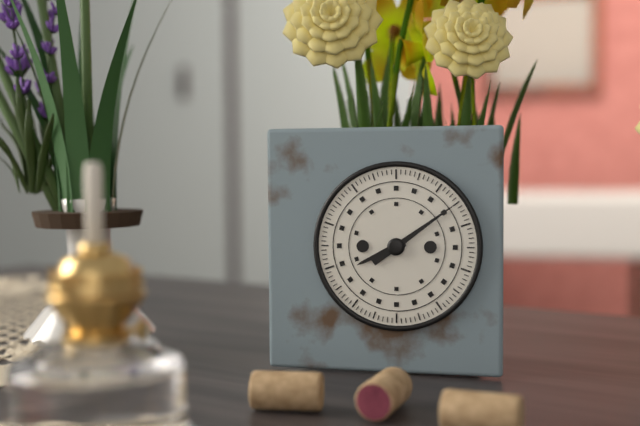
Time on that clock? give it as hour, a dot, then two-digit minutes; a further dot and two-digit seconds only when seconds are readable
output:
8.09
